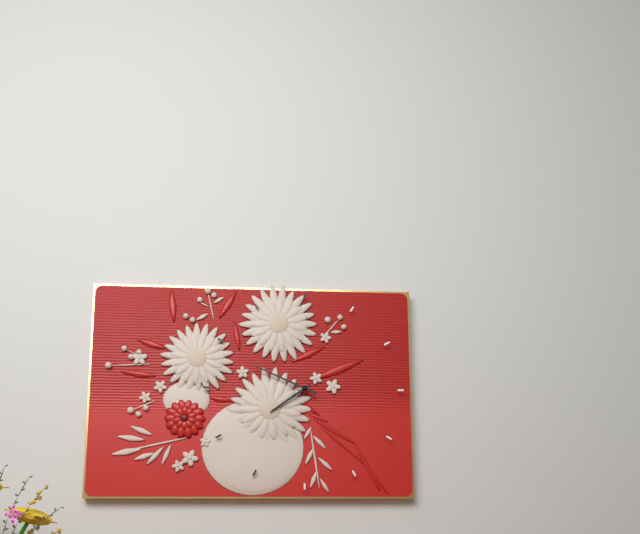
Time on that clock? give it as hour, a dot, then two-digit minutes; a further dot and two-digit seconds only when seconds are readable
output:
7.49
